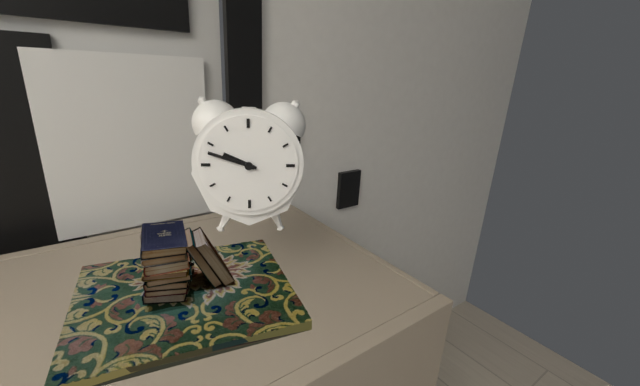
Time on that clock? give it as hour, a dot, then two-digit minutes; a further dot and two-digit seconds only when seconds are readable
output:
9.48
